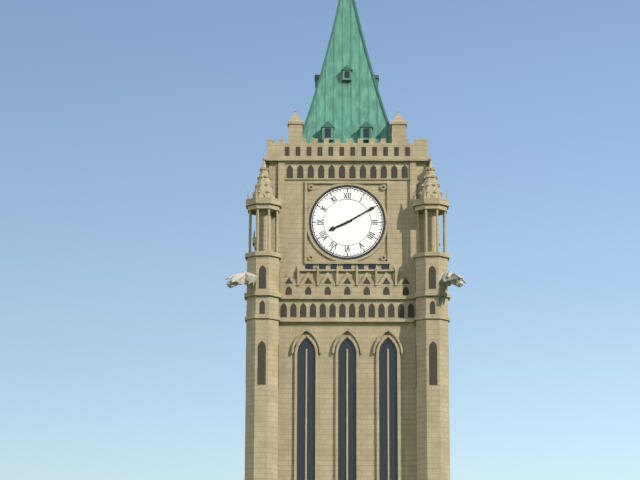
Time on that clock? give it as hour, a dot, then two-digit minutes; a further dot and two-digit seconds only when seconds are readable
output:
8.10
